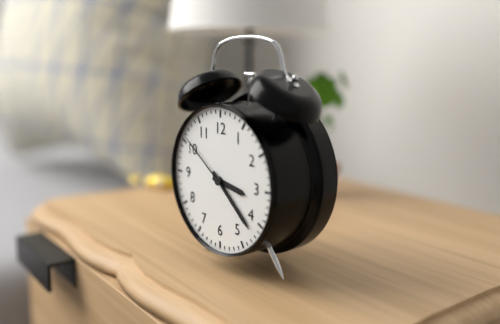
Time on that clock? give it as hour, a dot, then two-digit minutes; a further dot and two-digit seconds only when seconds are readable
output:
3.22.51
